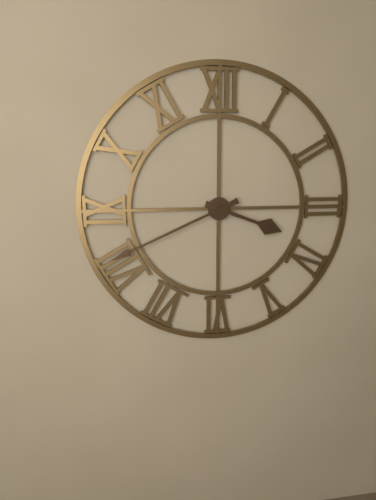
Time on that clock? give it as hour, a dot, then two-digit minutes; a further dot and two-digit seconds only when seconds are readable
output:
3.41
